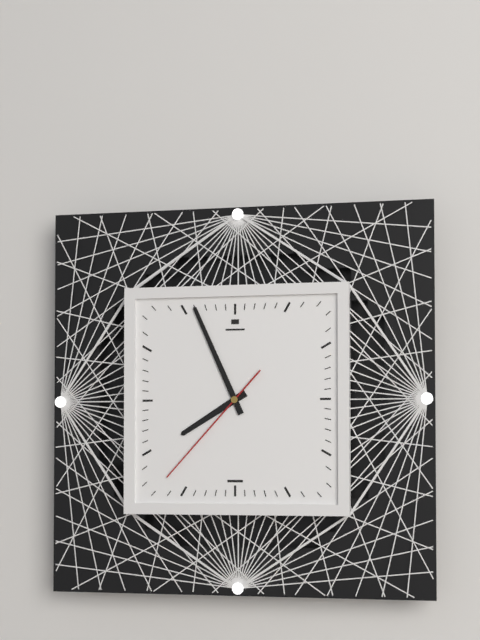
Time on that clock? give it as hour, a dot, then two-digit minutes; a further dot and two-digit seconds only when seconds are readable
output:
7.56.37
